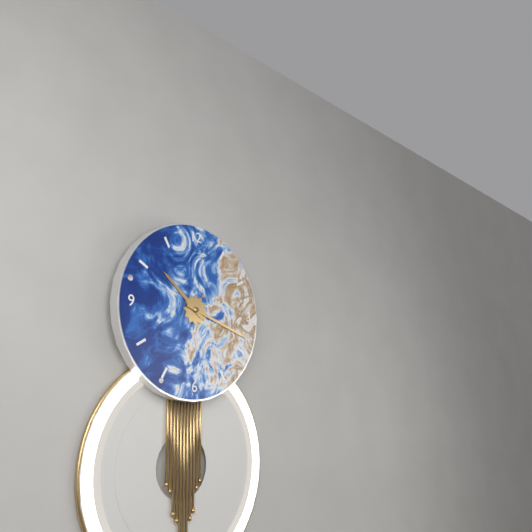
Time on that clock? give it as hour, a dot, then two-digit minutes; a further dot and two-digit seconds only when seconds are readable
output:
10.18
